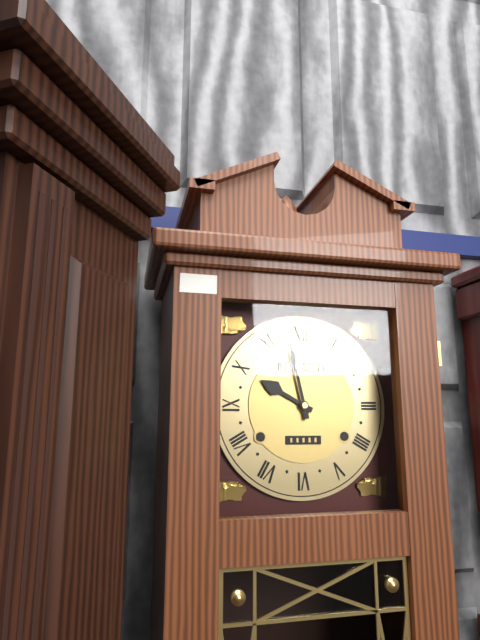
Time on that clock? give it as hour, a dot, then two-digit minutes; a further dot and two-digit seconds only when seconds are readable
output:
9.58
